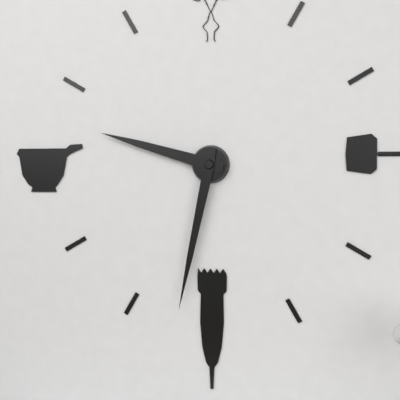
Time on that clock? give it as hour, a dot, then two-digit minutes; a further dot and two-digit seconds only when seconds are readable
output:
9.32
